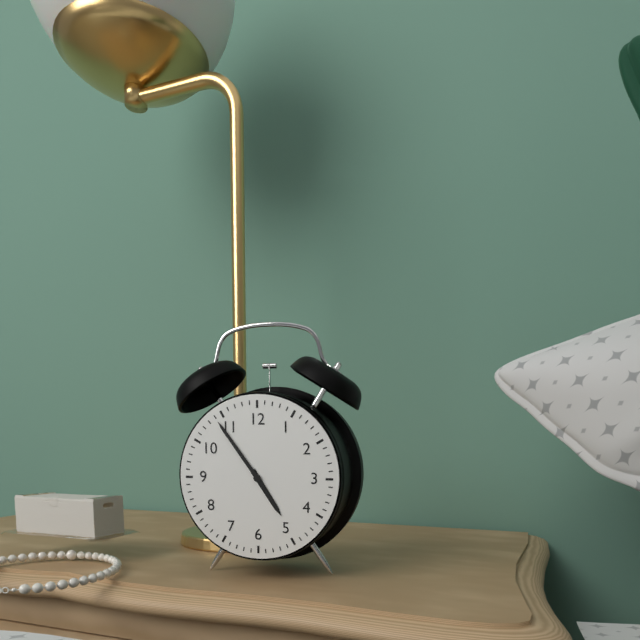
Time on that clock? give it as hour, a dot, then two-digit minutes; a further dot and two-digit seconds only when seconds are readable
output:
4.54
